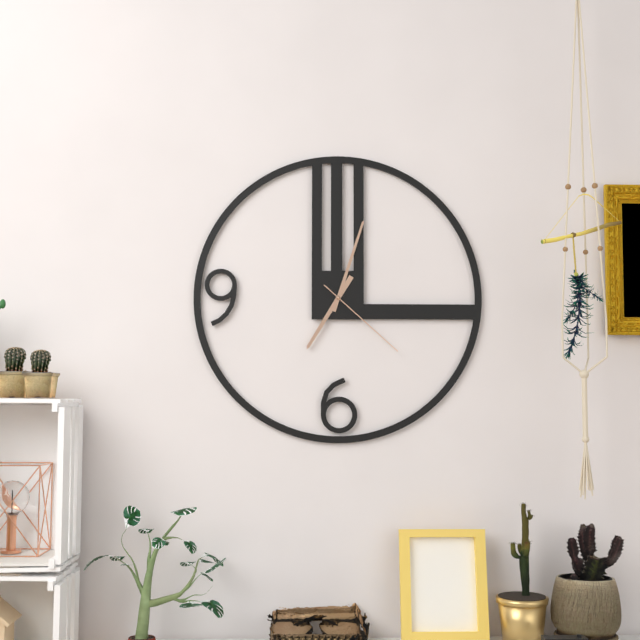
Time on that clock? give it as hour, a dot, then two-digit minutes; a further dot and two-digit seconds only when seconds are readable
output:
7.03.22
